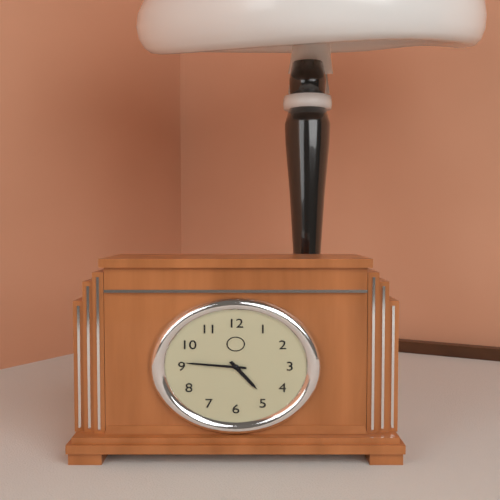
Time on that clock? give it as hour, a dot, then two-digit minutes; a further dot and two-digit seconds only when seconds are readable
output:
4.46
